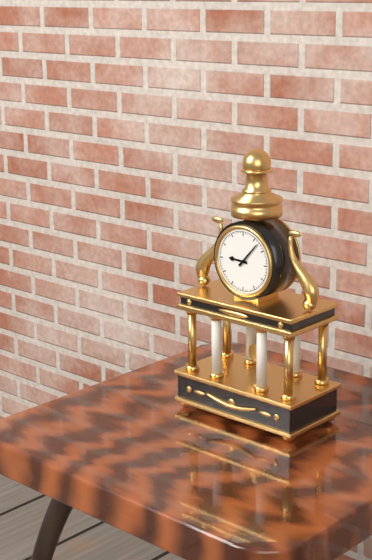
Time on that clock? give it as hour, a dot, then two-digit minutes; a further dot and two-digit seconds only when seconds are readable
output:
9.07
